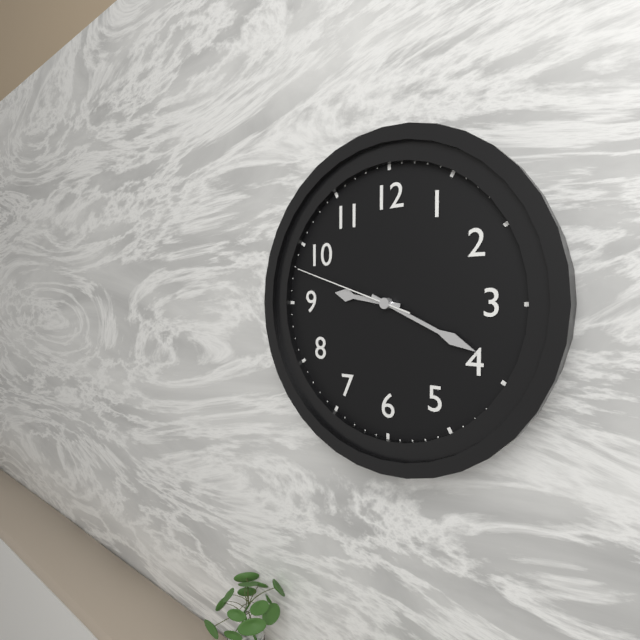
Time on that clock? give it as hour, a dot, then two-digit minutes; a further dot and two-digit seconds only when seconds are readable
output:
9.19.48
